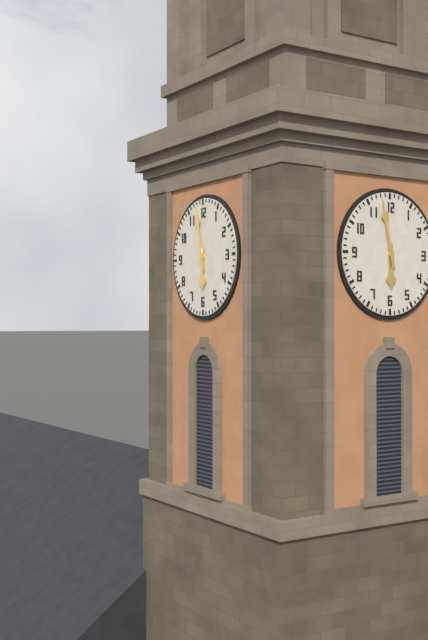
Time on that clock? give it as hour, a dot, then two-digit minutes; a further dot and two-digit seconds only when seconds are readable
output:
5.58
